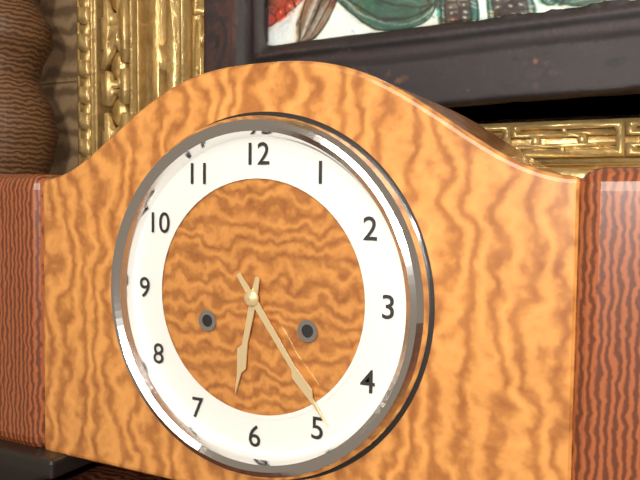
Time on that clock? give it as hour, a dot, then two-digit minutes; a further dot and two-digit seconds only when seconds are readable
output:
6.24
